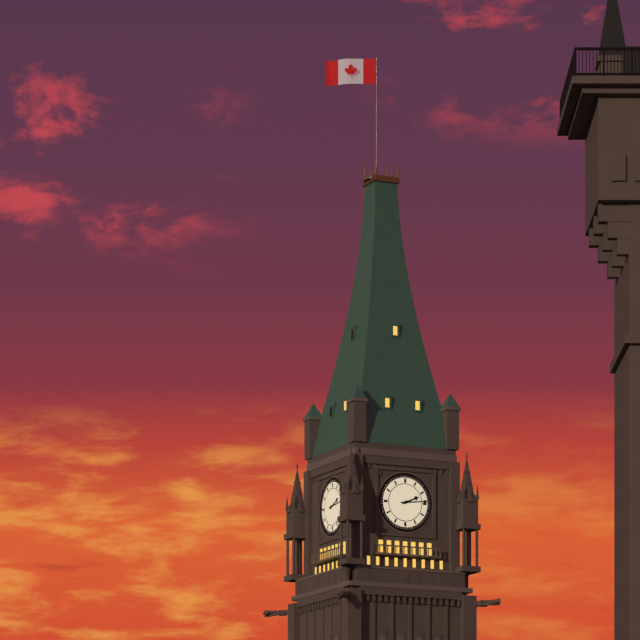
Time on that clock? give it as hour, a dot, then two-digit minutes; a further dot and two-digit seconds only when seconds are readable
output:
2.14
